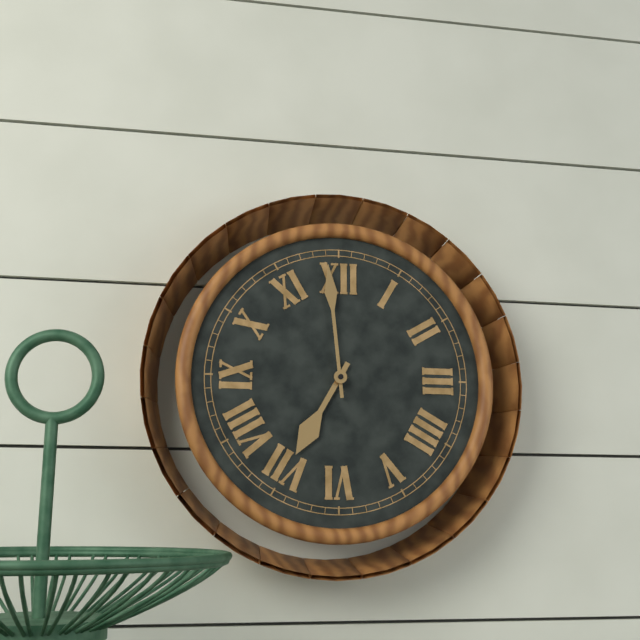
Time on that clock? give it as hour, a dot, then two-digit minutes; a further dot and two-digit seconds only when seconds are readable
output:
6.59
